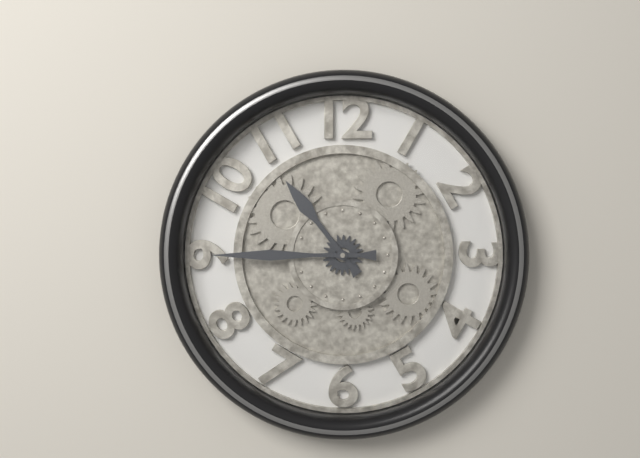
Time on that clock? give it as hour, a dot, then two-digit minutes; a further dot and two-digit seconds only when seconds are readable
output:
10.45
